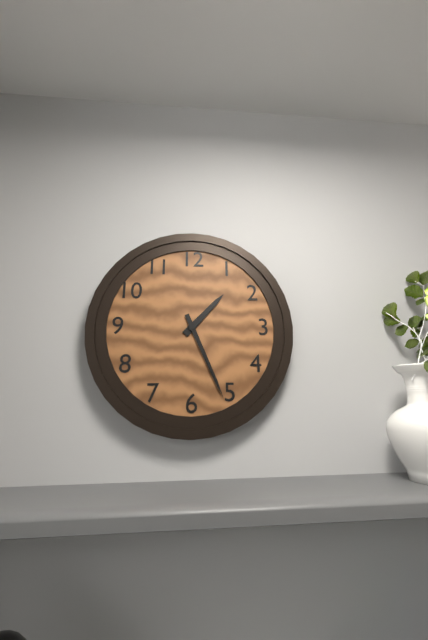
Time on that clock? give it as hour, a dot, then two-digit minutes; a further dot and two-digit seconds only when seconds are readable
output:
1.26
